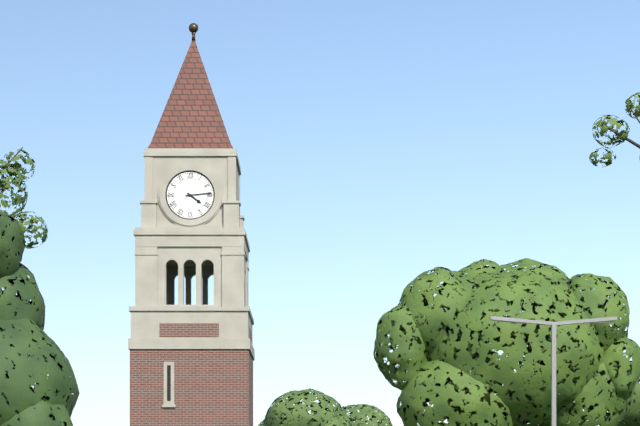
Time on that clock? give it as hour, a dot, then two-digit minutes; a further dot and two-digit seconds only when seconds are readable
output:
4.14
